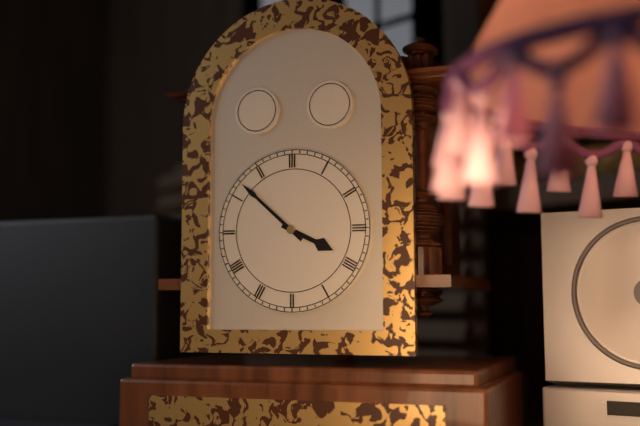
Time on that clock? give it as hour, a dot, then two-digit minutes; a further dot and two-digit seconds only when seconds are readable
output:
3.52
